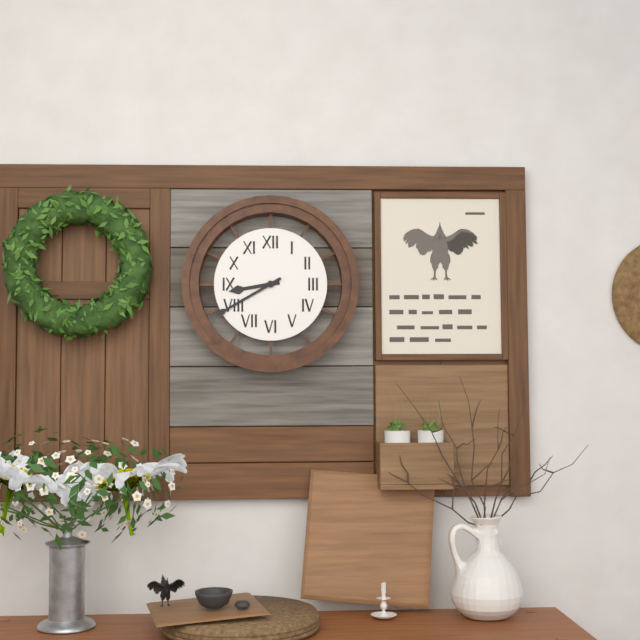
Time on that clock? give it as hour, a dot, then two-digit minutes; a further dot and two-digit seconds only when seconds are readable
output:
8.40
